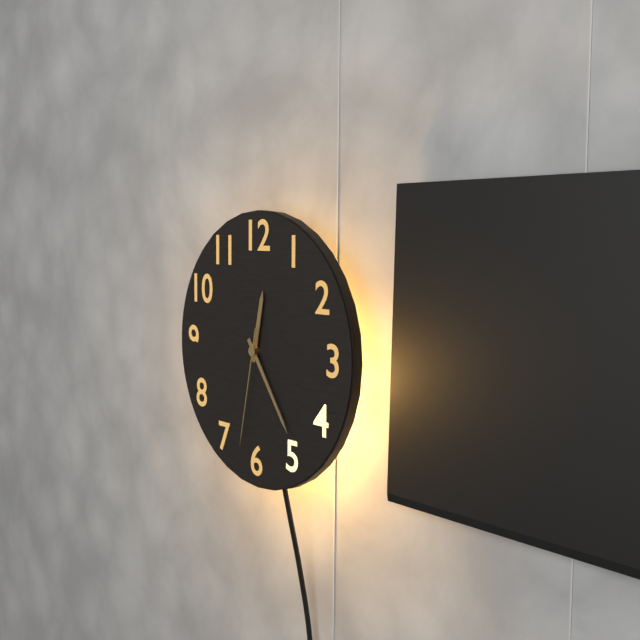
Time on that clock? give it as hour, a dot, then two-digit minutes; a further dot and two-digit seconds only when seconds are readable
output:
12.24.32
